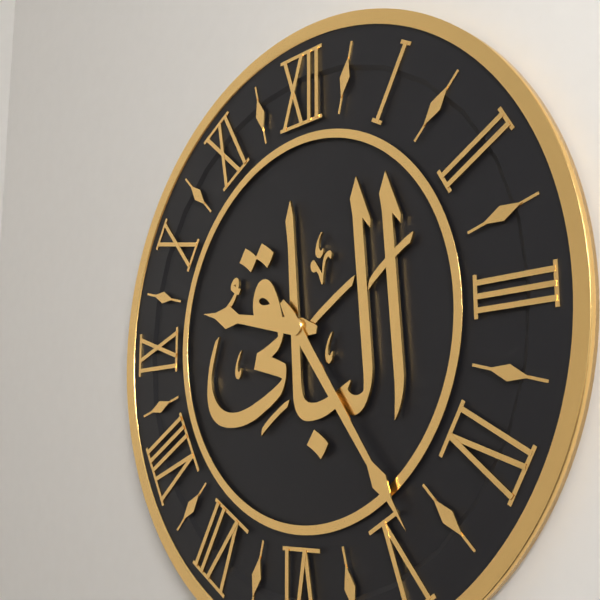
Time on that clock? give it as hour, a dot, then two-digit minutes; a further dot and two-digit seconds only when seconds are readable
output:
9.24
